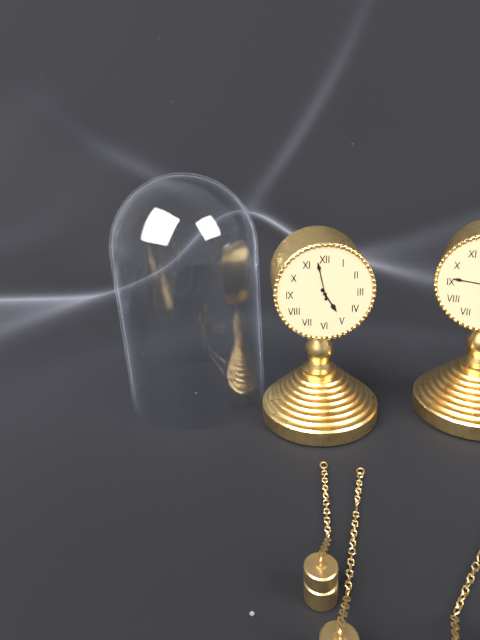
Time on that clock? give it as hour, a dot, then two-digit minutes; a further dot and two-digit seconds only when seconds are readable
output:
4.58
